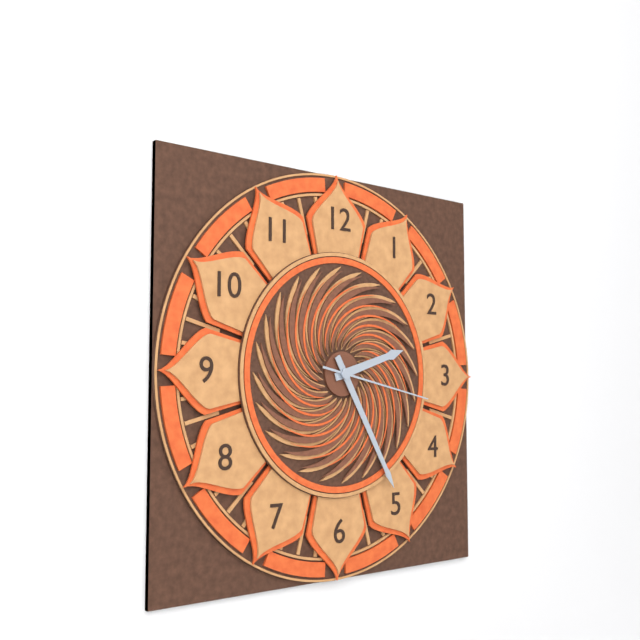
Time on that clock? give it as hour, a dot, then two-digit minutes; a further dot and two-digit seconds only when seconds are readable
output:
2.25.17
